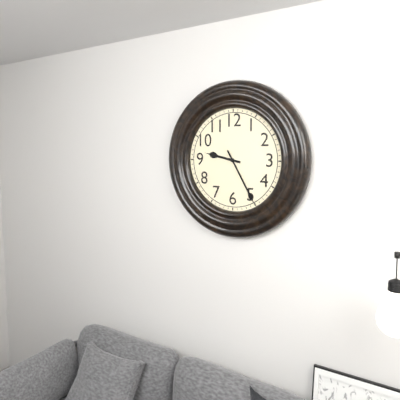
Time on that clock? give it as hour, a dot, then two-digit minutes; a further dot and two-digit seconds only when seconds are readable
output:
9.25
